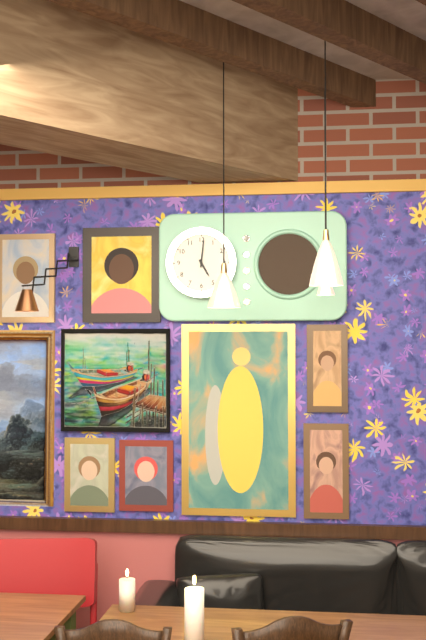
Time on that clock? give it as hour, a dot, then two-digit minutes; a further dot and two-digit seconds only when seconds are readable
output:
5.01
